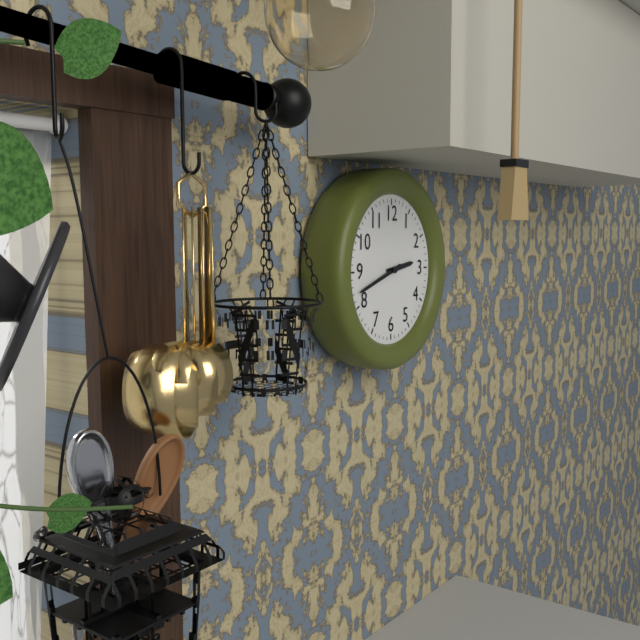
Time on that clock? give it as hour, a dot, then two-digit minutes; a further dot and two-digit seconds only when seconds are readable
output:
2.42
